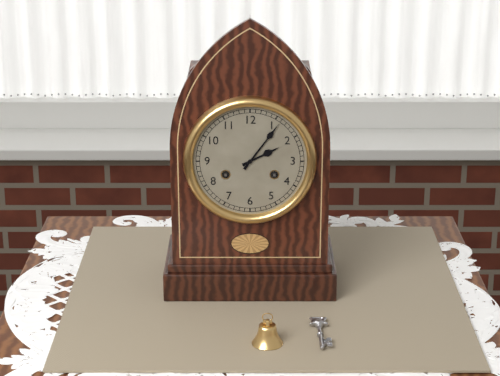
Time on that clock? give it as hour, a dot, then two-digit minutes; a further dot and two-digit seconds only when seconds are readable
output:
2.06
